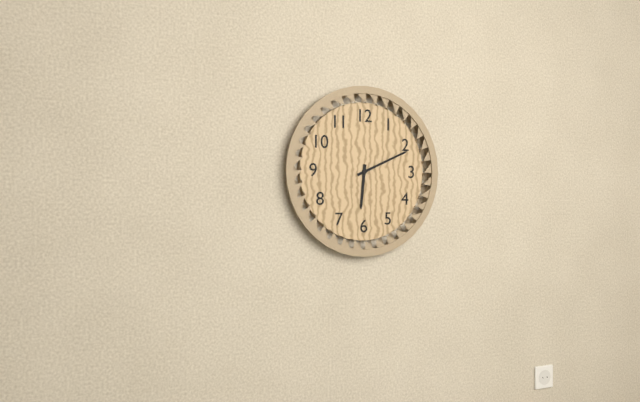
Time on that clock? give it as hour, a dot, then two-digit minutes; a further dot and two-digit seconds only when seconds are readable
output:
6.11
